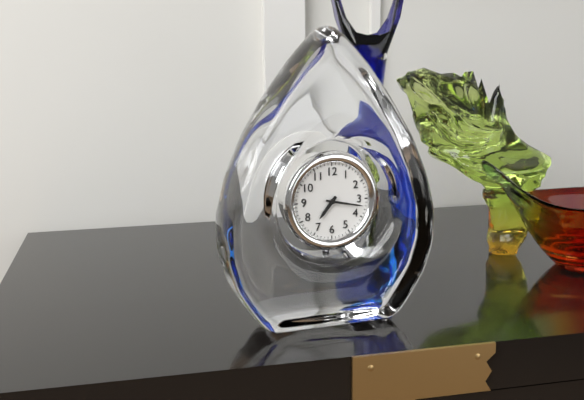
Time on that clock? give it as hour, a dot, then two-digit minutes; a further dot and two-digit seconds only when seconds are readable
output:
7.17
